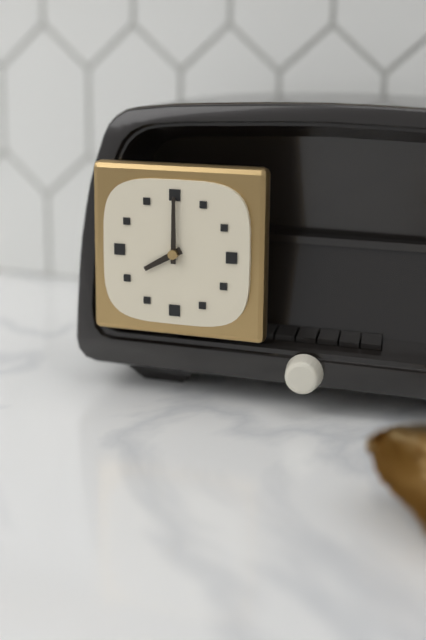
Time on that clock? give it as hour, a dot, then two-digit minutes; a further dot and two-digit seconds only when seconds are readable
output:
8.00
